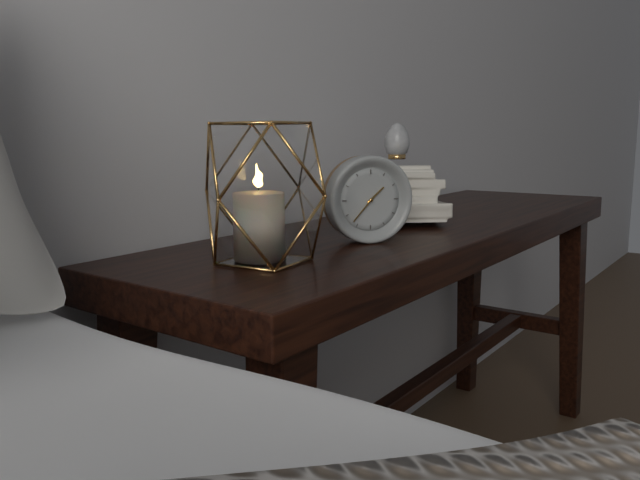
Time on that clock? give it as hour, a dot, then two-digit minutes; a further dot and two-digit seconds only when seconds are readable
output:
1.37
